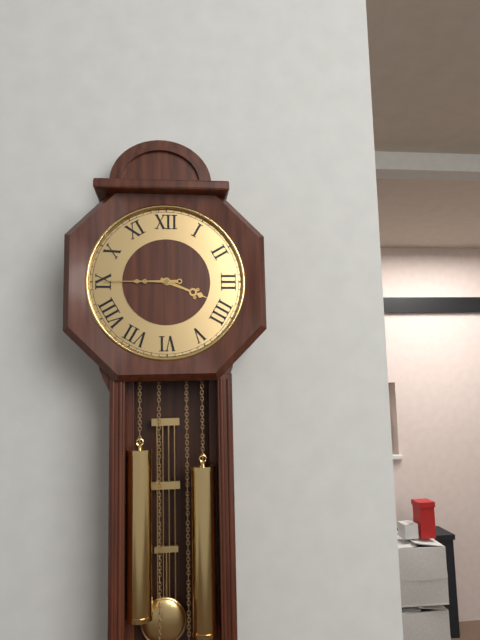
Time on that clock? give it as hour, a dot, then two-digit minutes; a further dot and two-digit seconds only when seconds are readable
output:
3.45
